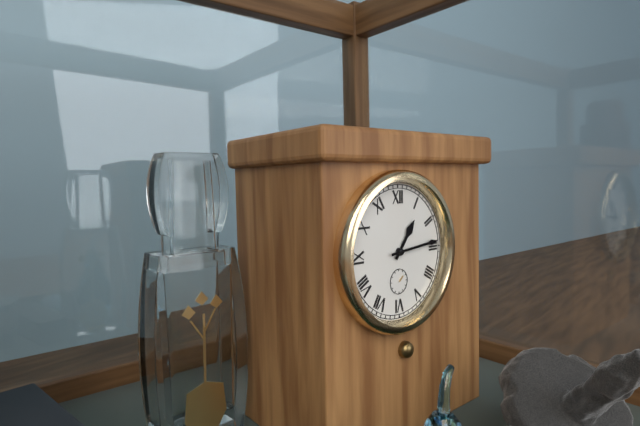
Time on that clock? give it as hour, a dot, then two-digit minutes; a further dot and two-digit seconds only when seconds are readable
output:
1.14
